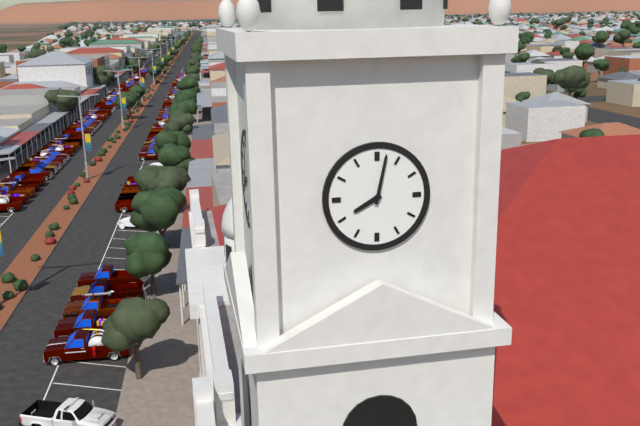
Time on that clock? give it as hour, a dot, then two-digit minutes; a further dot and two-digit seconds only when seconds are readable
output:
8.02
